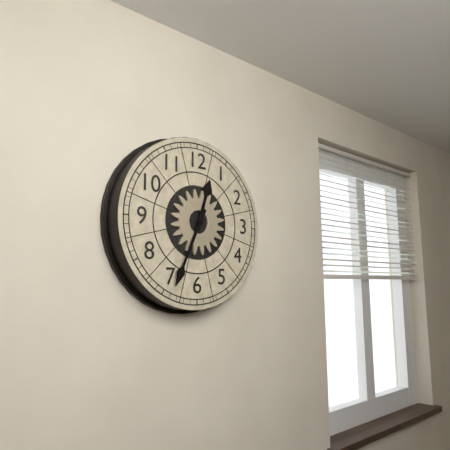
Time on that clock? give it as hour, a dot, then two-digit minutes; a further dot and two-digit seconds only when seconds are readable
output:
12.34
